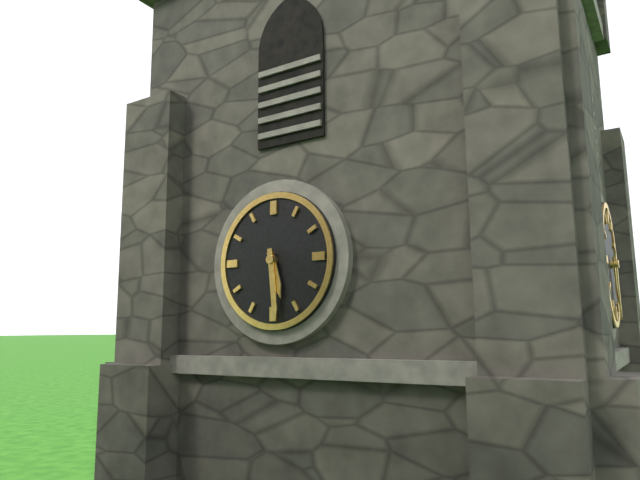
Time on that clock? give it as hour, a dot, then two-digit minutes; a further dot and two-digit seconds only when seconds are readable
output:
5.29
